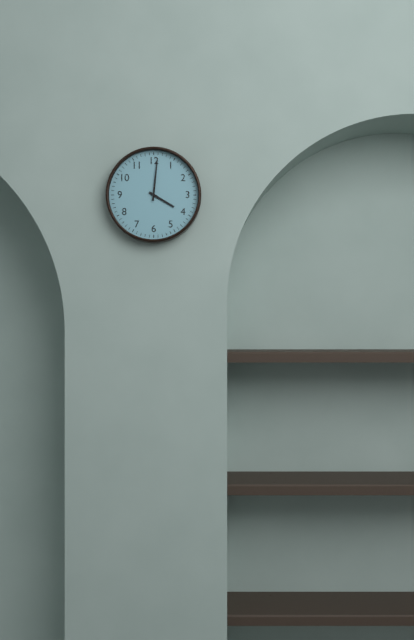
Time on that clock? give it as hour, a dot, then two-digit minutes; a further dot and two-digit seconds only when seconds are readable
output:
4.01
